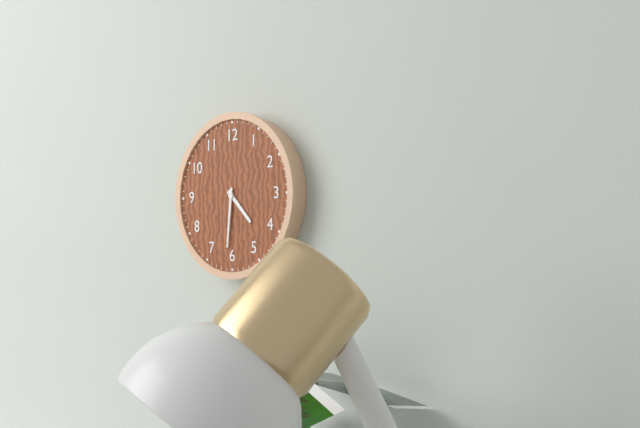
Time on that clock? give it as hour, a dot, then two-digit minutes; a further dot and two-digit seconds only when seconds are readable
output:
4.31
